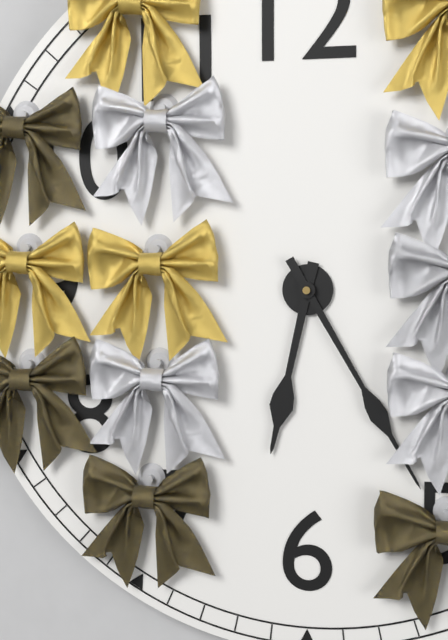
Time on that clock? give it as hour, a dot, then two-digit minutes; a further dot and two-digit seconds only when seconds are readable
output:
6.25
